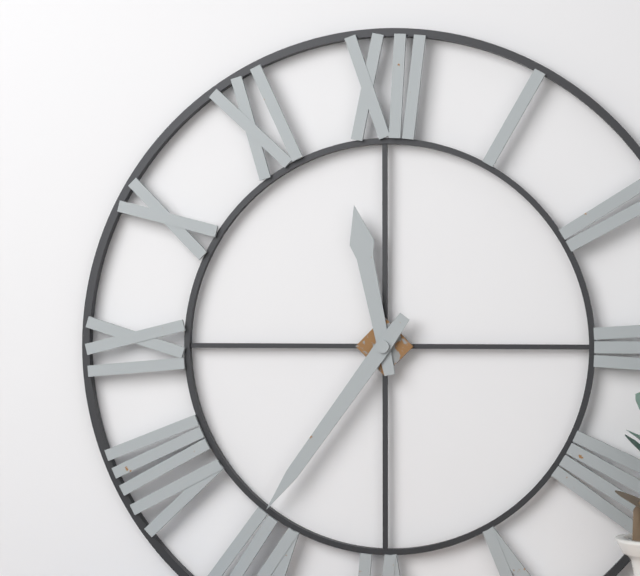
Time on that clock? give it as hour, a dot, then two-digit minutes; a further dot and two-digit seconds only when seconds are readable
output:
11.36
